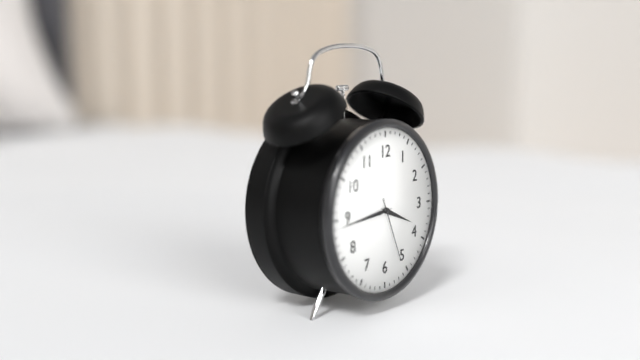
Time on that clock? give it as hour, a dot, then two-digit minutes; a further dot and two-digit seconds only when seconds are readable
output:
3.44.26
